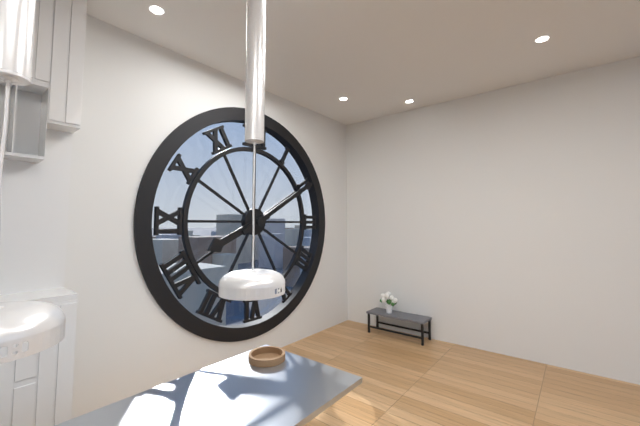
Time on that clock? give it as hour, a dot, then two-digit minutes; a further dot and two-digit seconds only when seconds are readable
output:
8.10
